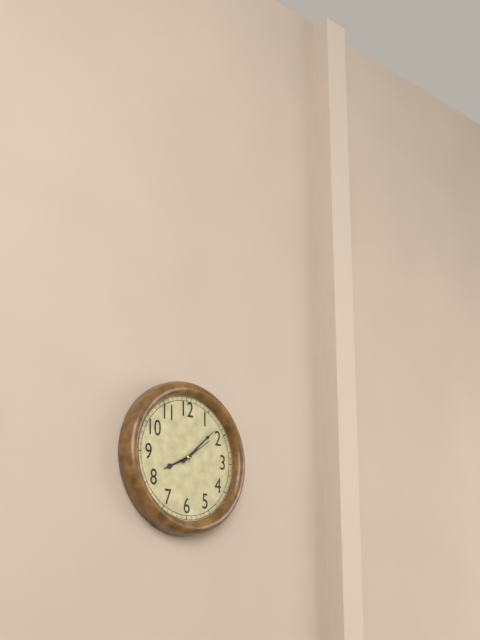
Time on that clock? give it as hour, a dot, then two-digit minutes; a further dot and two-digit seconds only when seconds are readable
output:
8.08
